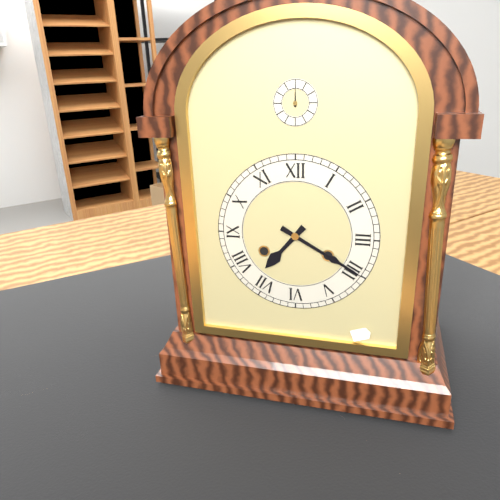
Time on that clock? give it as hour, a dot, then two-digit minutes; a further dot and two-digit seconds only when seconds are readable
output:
7.20
